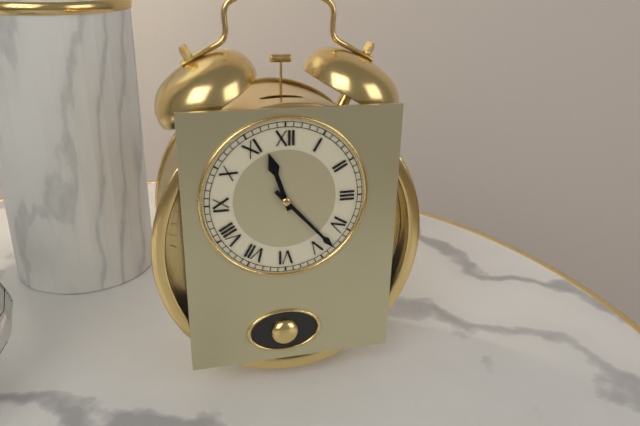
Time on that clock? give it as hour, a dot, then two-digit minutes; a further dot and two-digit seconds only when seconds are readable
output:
11.23
